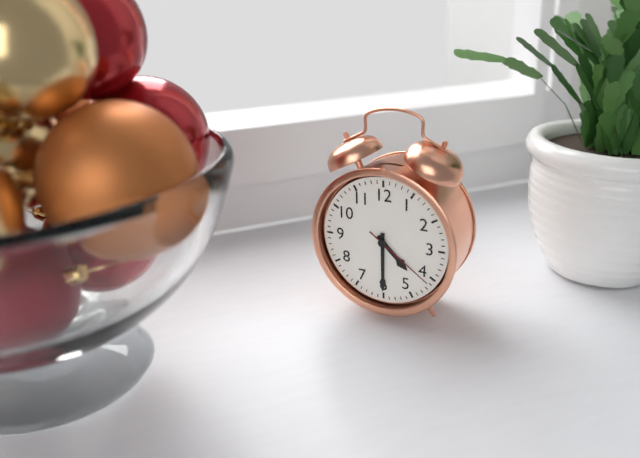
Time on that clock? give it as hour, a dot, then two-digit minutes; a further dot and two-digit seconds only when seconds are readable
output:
4.30.21
